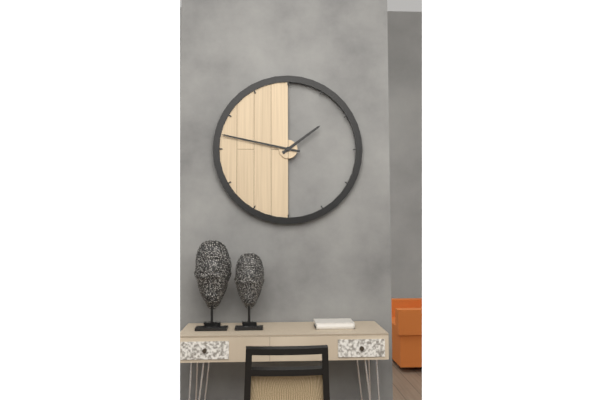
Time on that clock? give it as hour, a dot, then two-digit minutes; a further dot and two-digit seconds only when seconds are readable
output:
1.47
